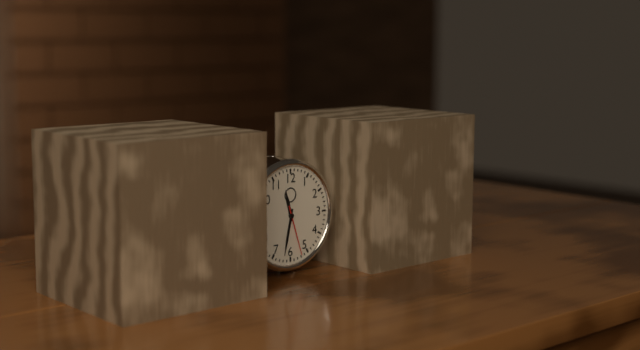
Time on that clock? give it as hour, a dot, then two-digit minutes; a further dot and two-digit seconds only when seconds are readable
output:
11.32.27
